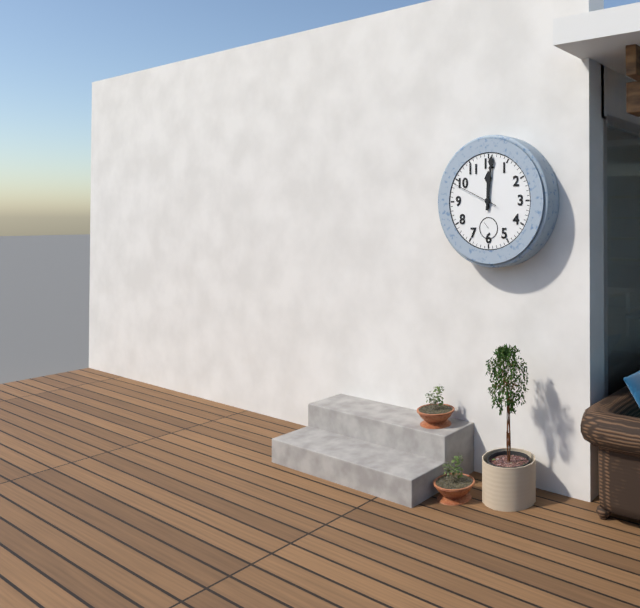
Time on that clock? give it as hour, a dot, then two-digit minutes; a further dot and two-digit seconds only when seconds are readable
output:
12.01
